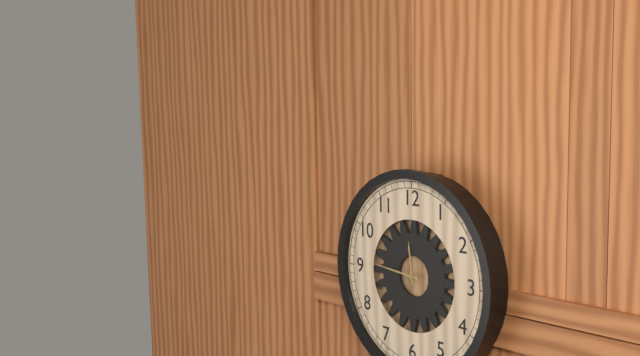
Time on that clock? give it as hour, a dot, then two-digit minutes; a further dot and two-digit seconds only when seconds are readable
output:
11.46
